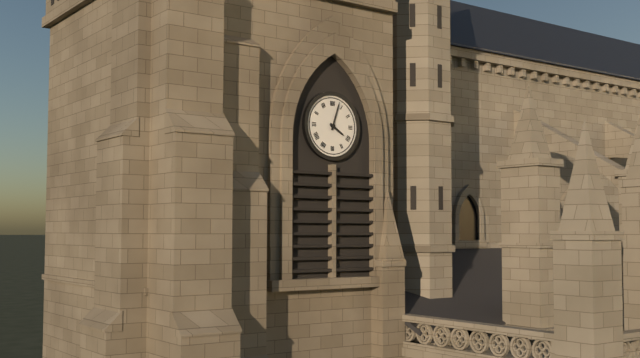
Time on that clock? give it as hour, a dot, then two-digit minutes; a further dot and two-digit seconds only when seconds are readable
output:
4.03
